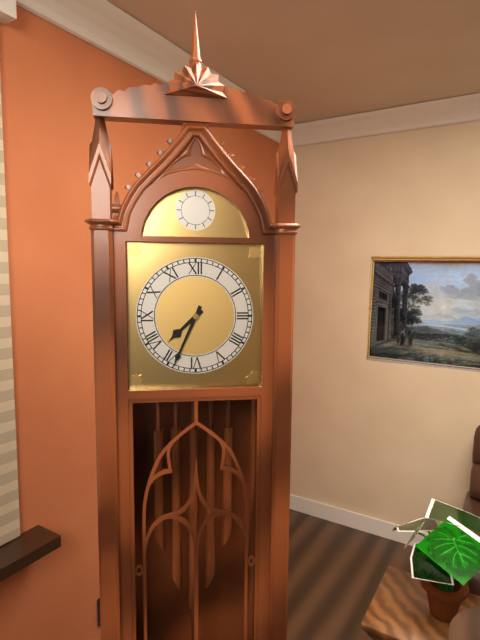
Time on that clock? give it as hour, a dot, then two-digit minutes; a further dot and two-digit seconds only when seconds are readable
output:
7.34
